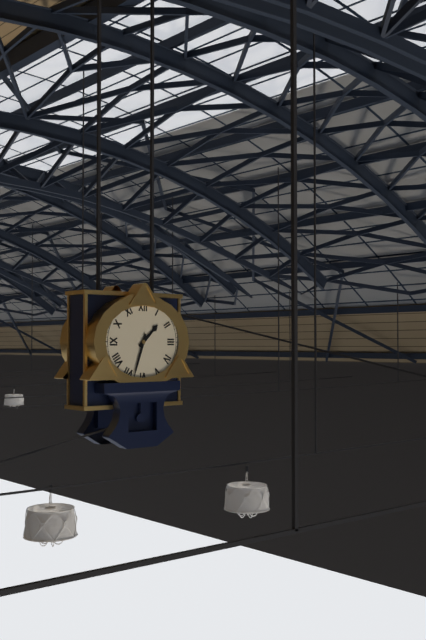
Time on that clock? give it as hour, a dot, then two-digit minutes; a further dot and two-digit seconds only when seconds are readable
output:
1.33
